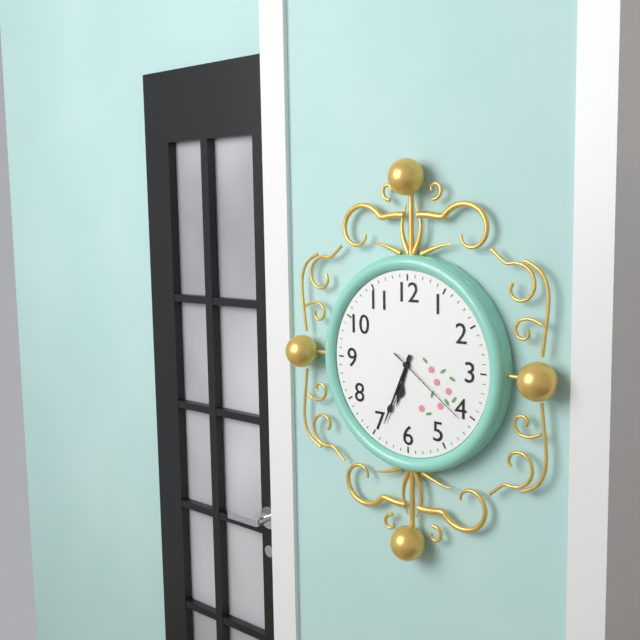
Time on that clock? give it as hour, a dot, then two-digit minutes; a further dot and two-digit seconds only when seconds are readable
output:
6.34.21
